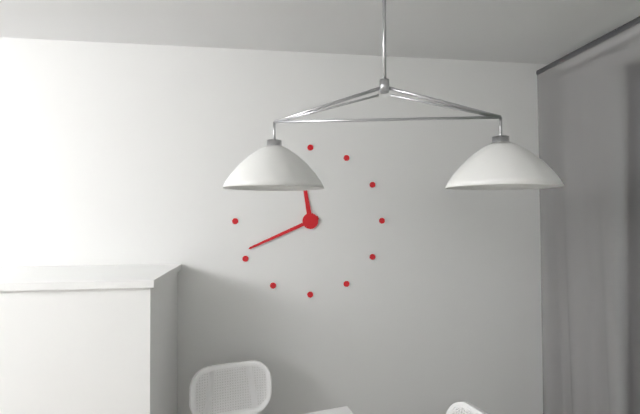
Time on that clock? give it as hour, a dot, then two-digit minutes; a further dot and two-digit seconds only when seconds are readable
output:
11.41
